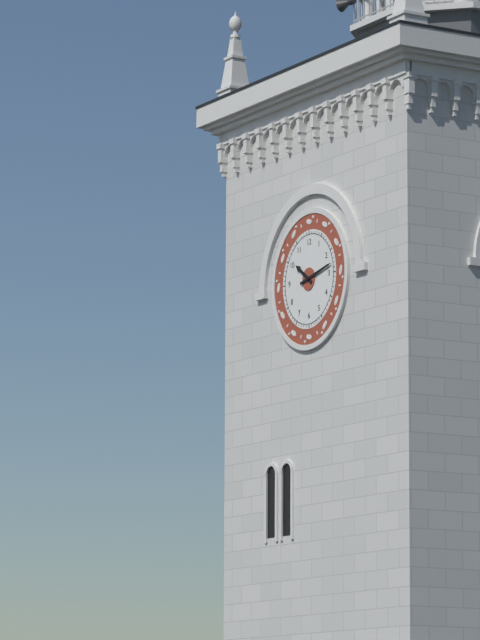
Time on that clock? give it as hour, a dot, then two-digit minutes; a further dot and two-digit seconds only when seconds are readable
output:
10.13
